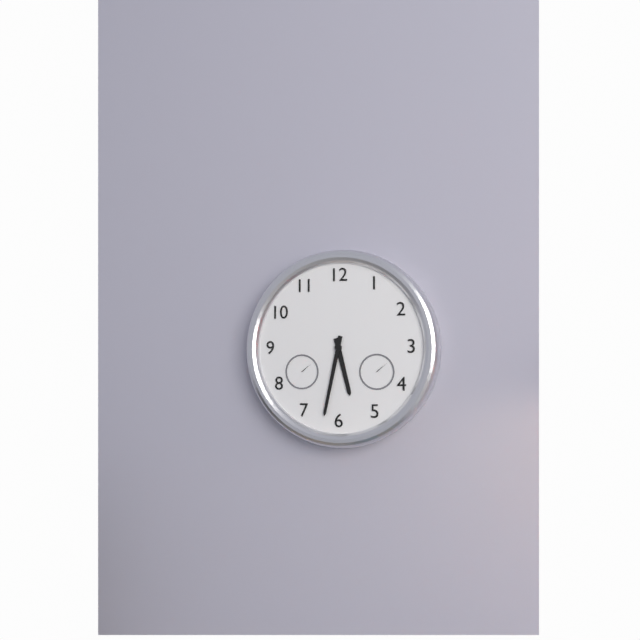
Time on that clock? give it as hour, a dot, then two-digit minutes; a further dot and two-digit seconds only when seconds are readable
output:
5.32
